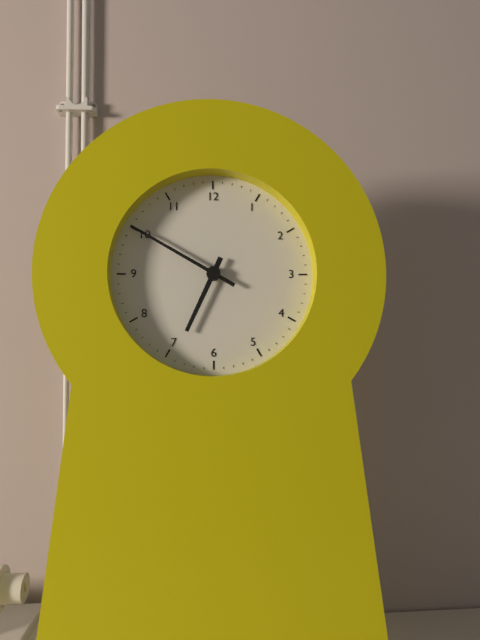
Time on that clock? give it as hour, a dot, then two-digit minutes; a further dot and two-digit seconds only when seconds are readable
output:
6.50
